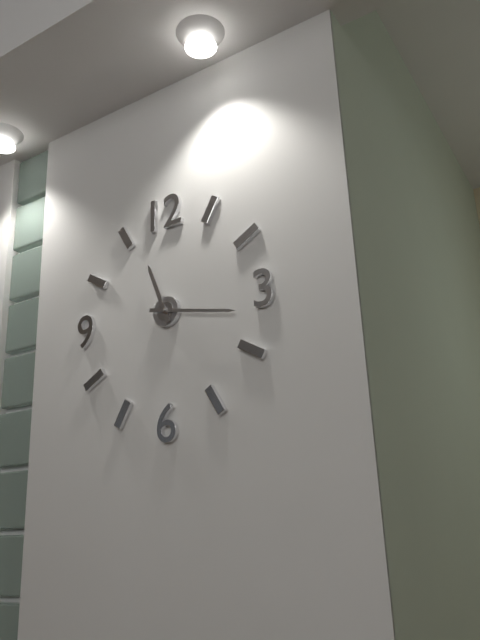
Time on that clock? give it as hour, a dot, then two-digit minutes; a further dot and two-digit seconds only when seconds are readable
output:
11.17
